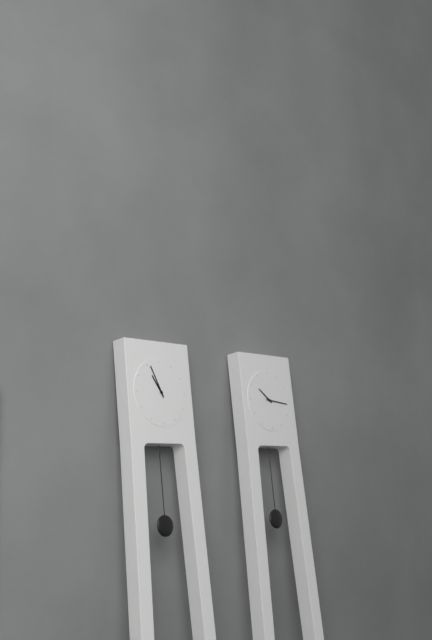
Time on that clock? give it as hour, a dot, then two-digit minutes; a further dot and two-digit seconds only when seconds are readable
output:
10.56
